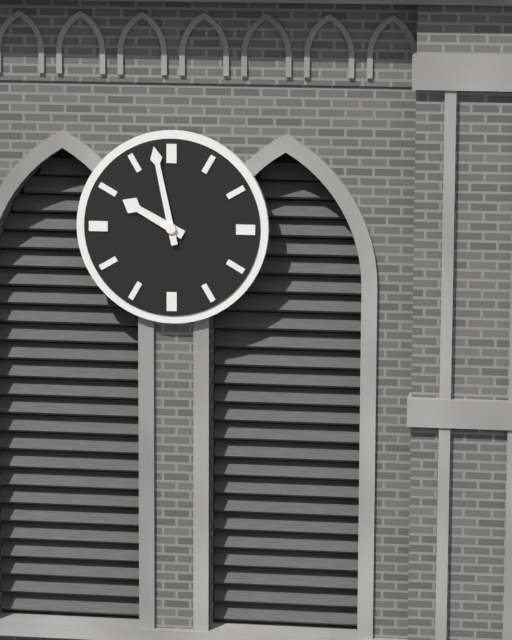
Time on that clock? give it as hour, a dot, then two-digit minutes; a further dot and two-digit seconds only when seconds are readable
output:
9.58
